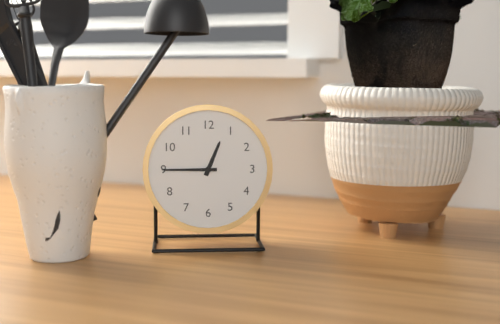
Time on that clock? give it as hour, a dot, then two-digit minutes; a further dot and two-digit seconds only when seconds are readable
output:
12.45
